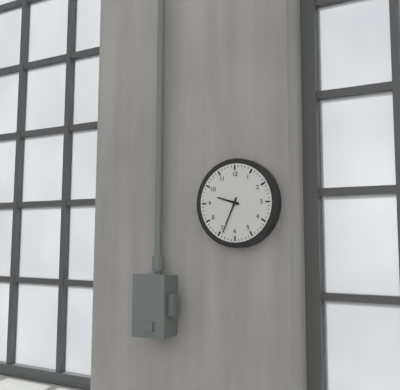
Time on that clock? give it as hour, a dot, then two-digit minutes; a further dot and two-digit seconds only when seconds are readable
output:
9.34
